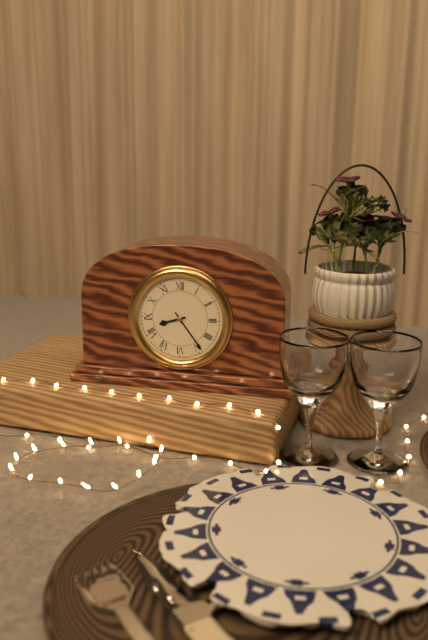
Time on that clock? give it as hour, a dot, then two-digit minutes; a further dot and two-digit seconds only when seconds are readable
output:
8.24
